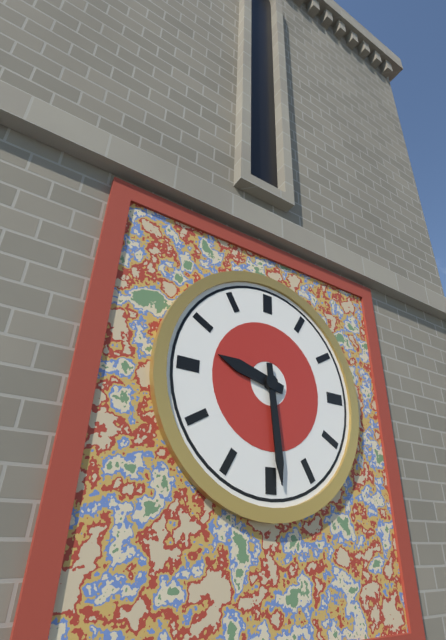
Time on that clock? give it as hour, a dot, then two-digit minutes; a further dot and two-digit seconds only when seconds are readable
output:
9.29
